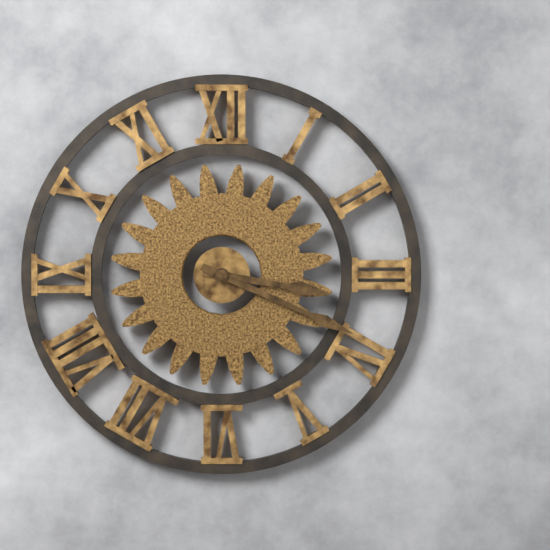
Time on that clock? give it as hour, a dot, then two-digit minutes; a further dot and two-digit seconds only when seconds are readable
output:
3.19
